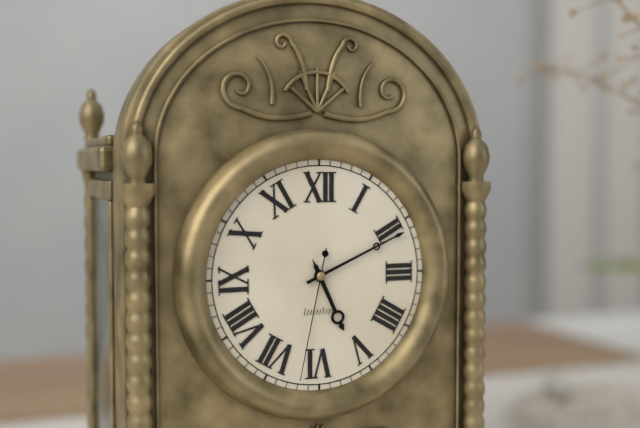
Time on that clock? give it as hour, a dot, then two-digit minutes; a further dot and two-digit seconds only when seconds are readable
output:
5.11.32
